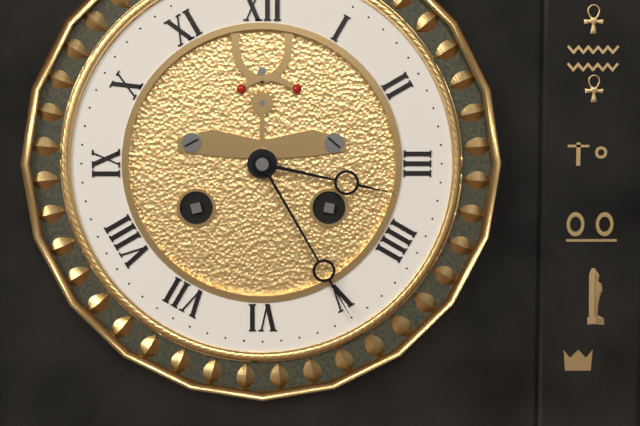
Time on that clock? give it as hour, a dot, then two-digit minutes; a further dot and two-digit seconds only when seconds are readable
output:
3.25
